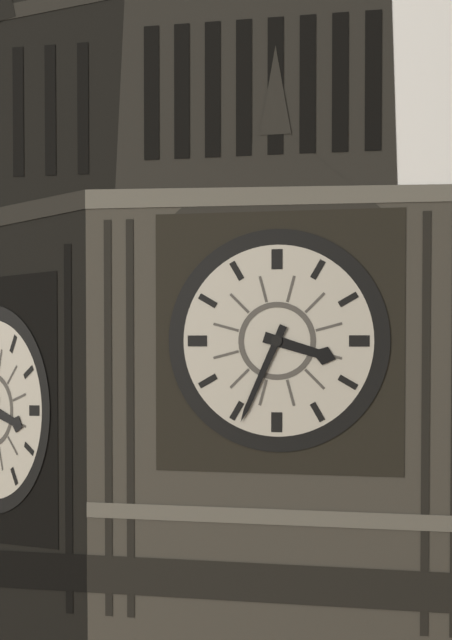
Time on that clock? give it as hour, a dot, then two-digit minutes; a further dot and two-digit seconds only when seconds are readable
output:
3.34
